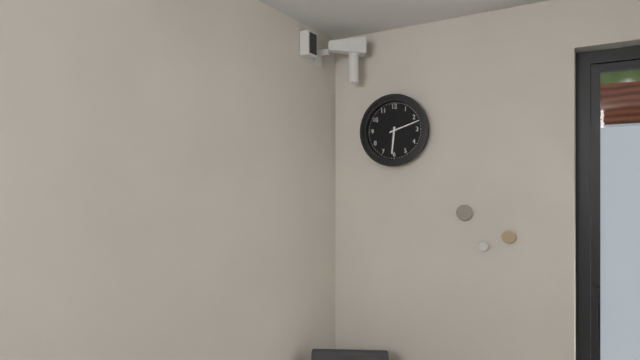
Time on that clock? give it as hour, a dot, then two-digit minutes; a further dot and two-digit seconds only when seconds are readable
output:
6.12
